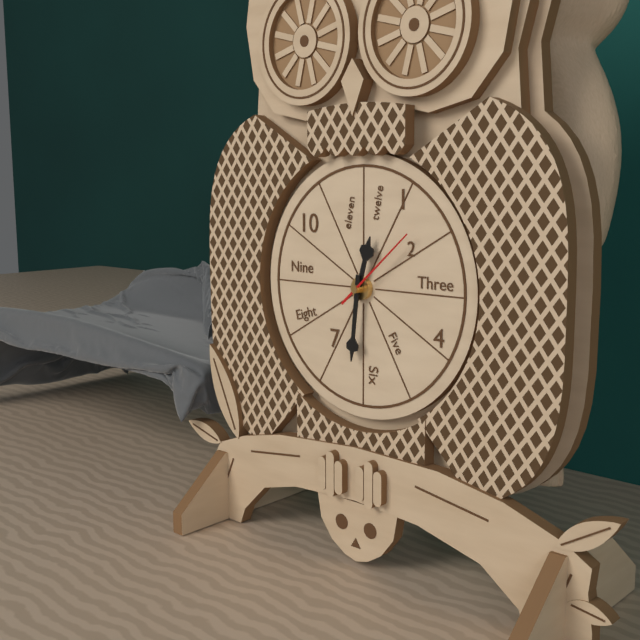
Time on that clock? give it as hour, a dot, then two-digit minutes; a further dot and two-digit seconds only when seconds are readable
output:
12.31.08
